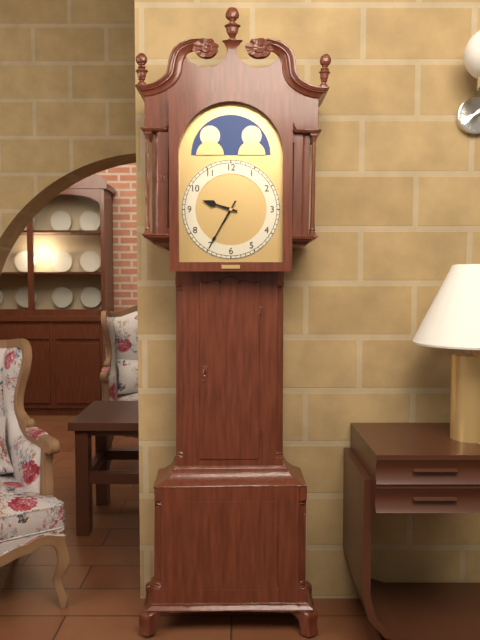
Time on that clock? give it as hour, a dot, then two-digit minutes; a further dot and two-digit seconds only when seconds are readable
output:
9.35
